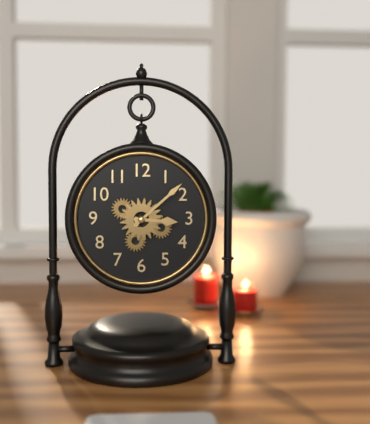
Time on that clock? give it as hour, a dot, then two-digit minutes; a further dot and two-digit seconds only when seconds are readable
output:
3.08
